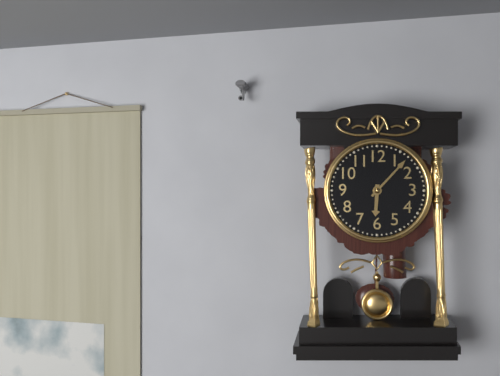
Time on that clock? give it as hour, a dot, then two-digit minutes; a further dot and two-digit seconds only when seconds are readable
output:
6.07
